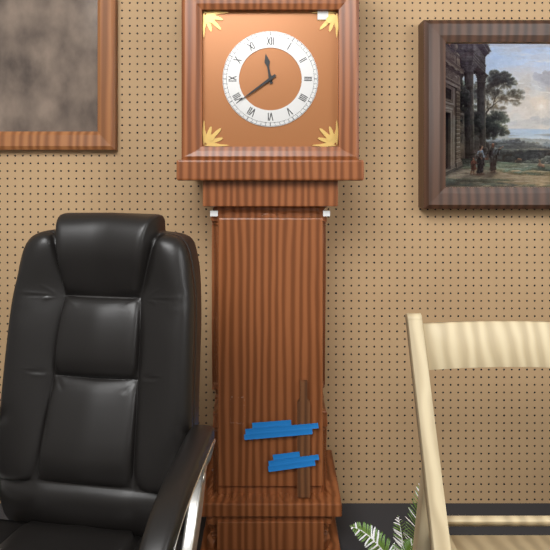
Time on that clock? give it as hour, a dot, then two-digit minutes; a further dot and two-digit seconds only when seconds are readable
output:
11.39
